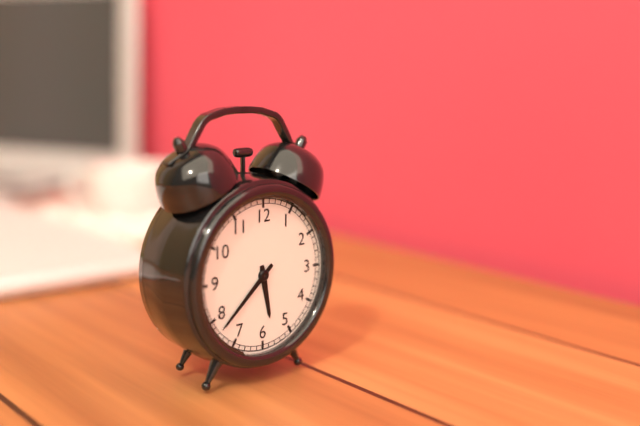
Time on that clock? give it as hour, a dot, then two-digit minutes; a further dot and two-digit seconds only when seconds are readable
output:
5.38
